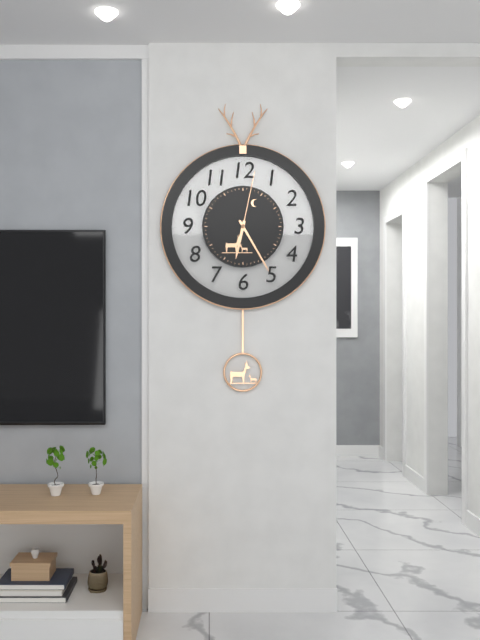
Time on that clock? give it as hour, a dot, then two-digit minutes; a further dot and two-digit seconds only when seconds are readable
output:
6.25.02
